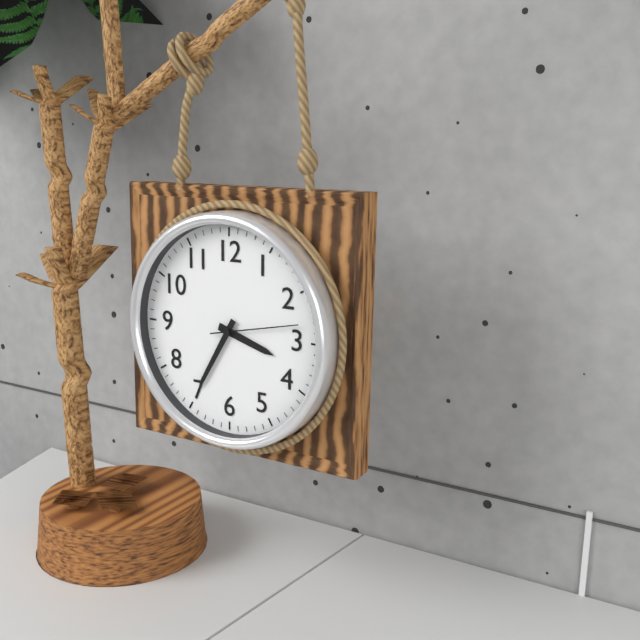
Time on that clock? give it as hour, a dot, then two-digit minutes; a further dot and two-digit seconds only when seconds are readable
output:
3.35.13
